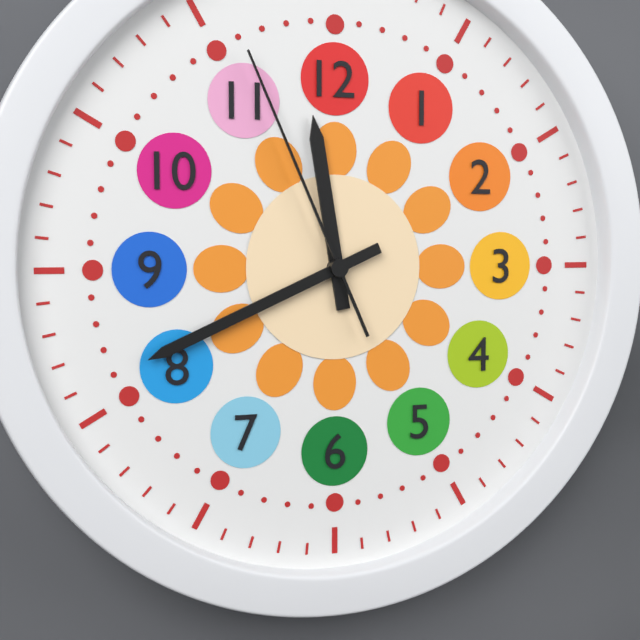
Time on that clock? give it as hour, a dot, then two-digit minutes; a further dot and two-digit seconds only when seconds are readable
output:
11.41.56
